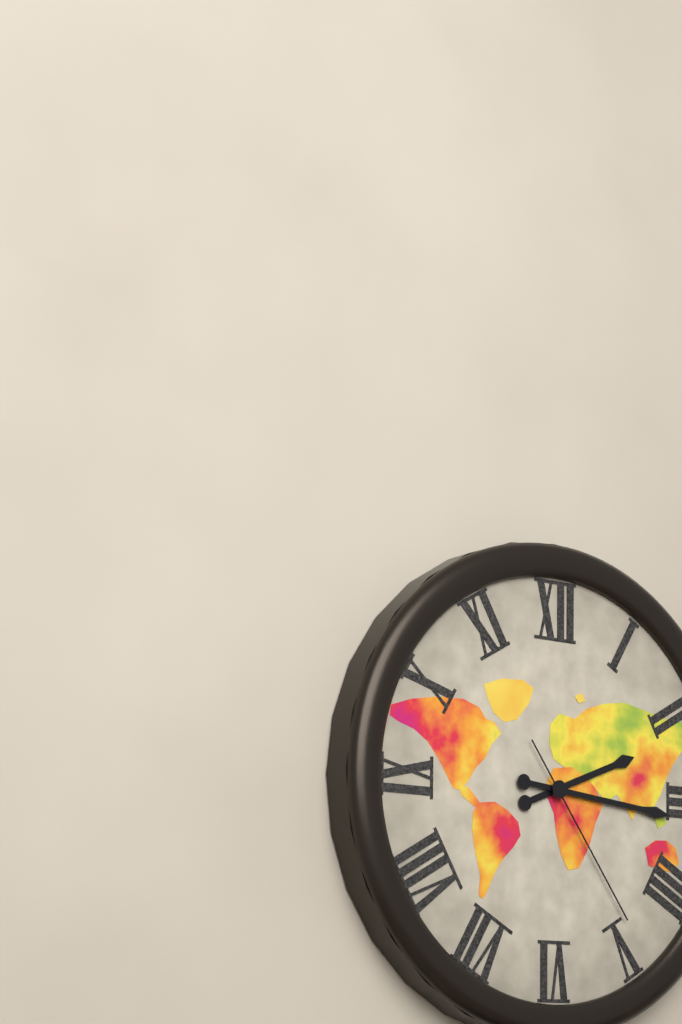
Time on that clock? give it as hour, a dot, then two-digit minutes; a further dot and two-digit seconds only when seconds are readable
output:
2.16.24
